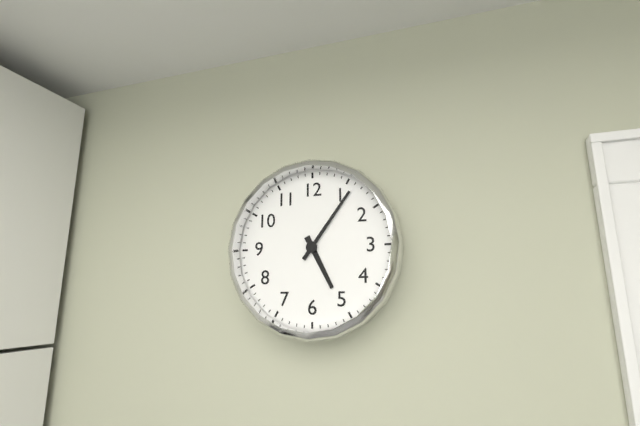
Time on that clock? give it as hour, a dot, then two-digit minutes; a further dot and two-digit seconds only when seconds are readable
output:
5.06
